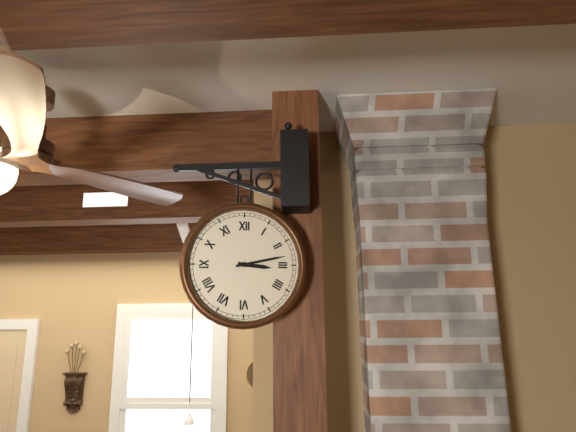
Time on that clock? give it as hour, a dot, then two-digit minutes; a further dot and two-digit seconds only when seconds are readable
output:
3.13
